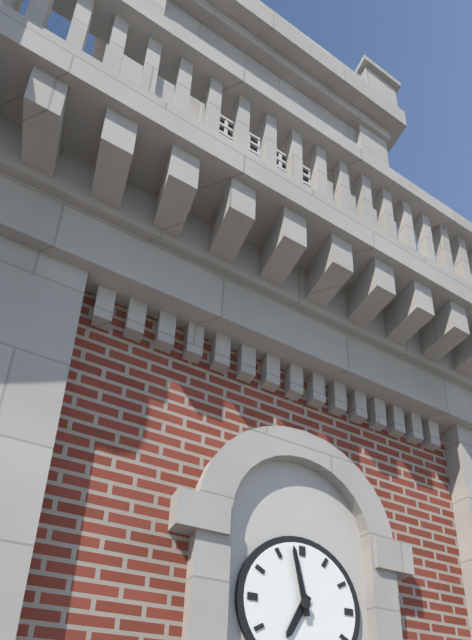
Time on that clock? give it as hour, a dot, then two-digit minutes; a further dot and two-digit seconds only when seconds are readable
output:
6.58
